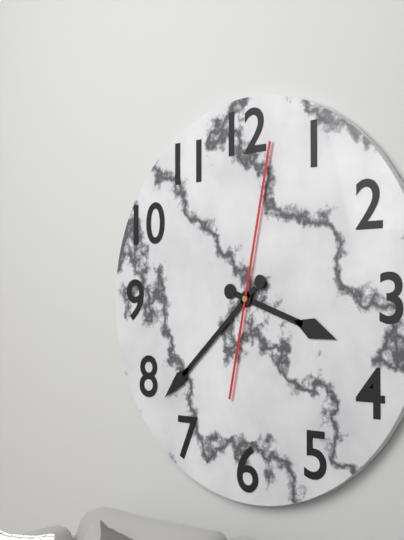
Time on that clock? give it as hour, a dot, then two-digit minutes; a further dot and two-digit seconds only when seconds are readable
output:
3.38.02
